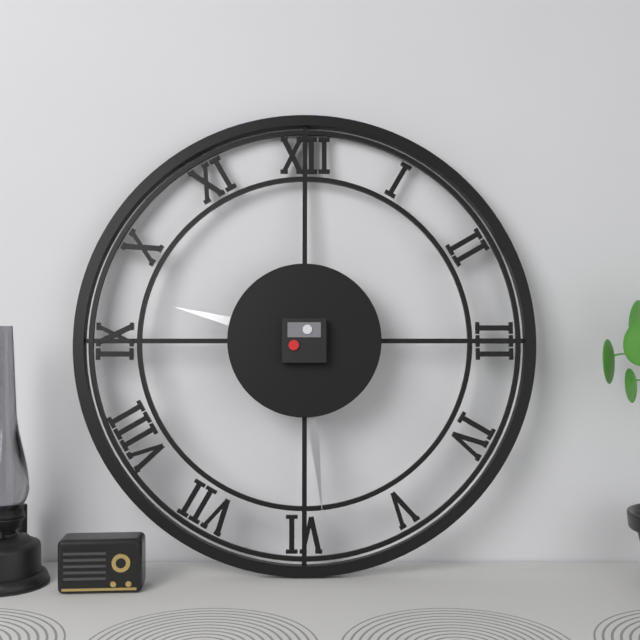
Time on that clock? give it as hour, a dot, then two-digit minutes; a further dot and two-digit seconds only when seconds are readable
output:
9.29
